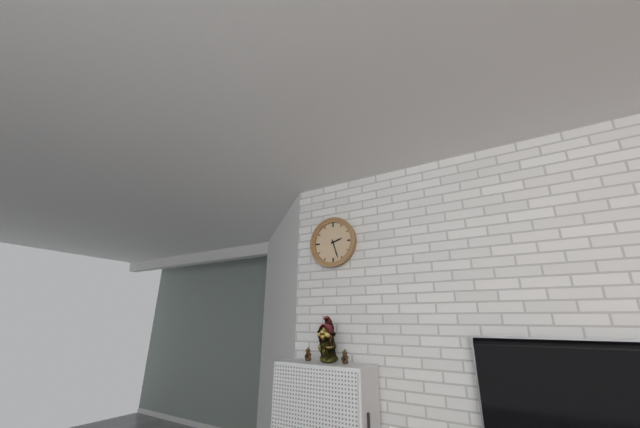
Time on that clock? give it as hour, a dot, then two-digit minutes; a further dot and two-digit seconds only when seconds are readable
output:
2.27
